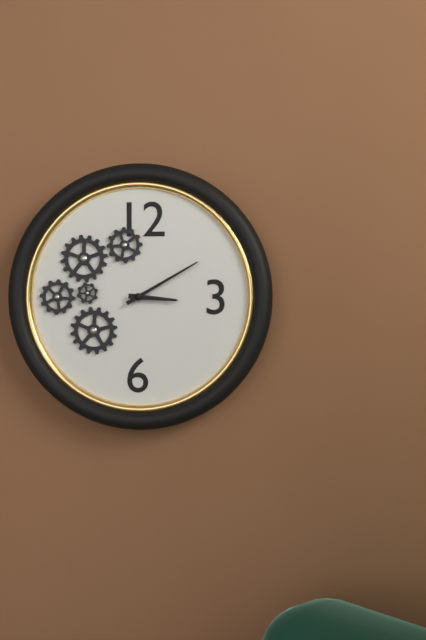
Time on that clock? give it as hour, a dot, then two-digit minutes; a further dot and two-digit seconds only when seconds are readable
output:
3.10
